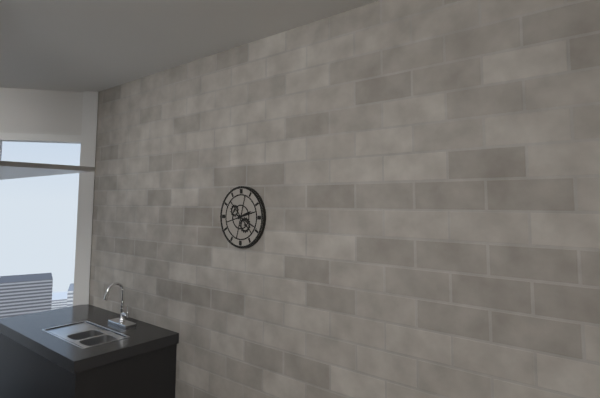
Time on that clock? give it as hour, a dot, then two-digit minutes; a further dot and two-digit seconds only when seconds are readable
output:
2.19
